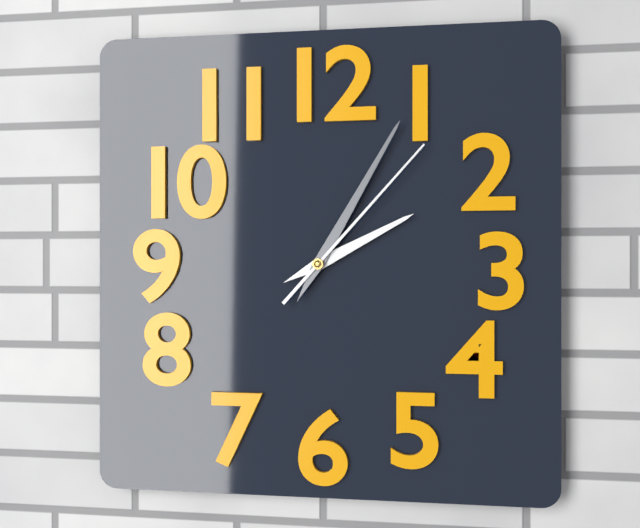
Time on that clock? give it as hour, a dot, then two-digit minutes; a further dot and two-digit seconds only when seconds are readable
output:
2.05.07
